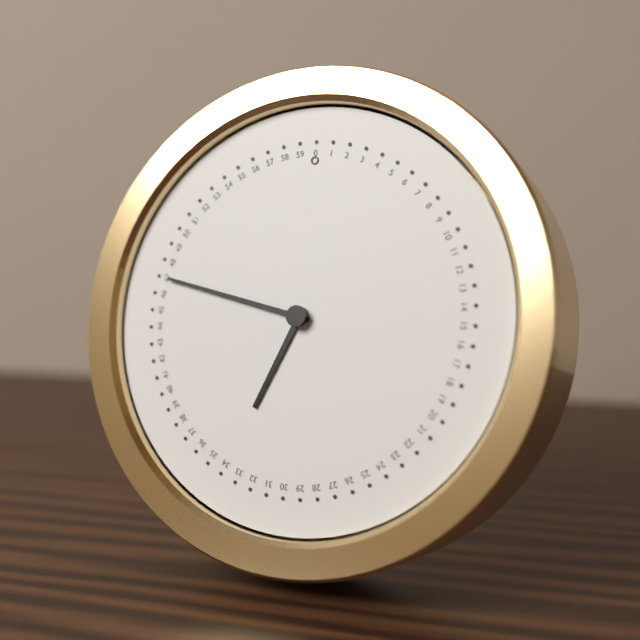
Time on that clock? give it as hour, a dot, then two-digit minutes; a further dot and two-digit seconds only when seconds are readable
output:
6.47
